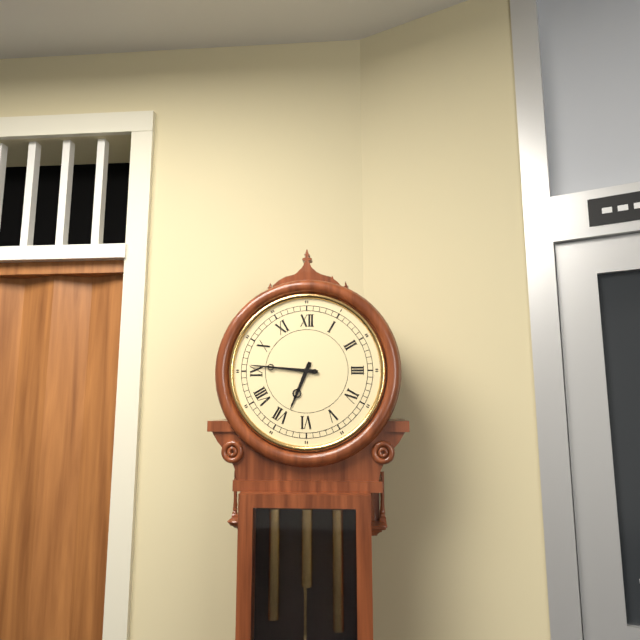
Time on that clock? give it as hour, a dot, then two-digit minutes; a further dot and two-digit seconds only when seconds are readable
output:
6.46
